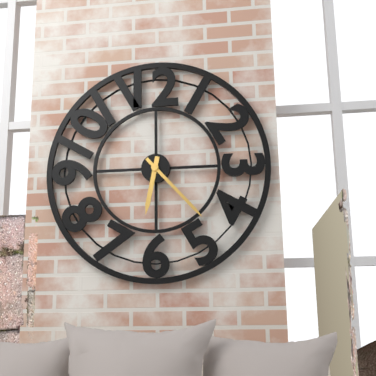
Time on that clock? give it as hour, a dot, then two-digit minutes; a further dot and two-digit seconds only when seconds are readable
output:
6.23
